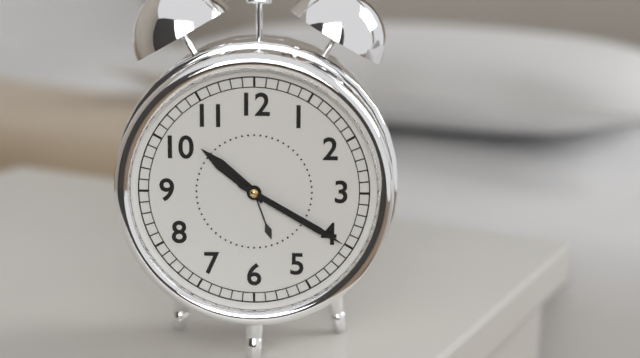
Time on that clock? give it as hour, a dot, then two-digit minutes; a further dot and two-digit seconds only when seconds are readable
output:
10.20
